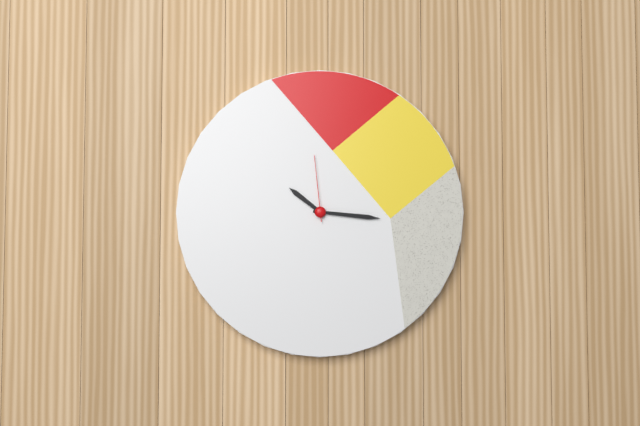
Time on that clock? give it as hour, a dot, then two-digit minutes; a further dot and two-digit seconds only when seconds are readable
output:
10.16.59
